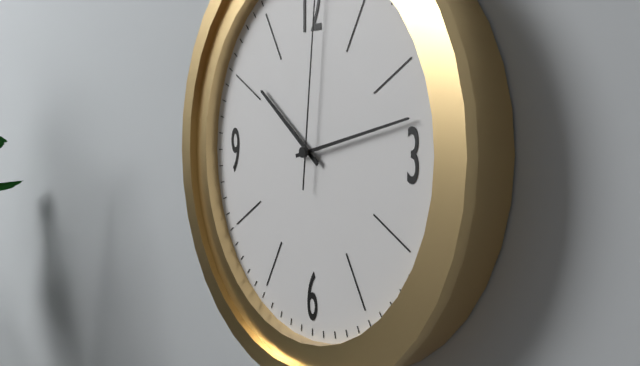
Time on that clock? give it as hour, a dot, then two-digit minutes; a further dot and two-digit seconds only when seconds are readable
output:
10.13
